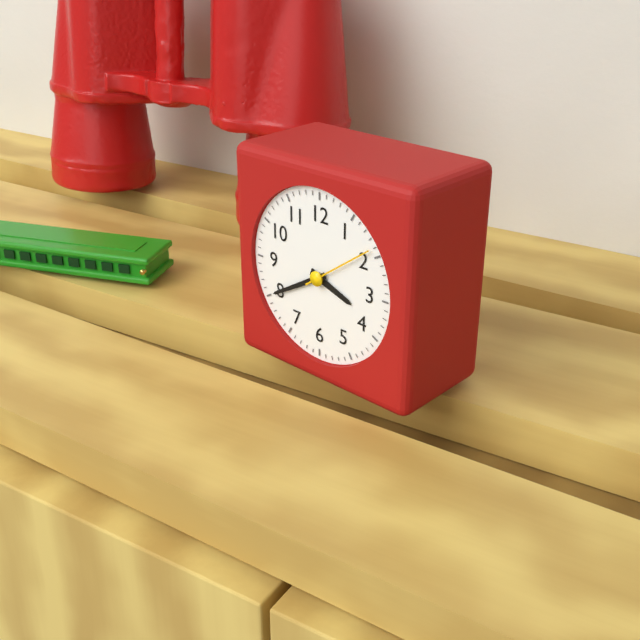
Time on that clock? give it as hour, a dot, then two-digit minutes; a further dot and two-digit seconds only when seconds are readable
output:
3.40.09
